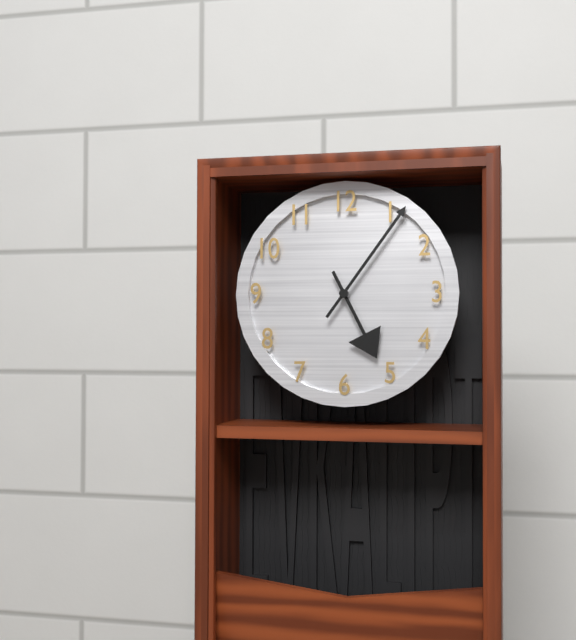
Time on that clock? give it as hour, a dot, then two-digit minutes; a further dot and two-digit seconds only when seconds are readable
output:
5.06
